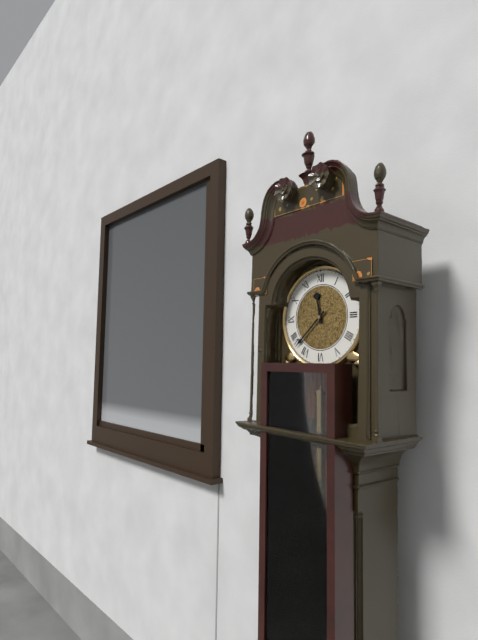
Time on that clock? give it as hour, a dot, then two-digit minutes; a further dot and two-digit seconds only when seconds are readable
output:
11.38
